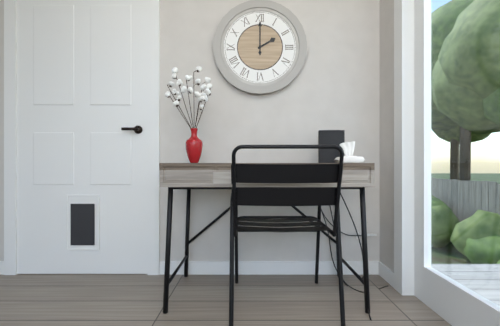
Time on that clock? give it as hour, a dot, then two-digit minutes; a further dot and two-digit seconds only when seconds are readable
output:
2.00
